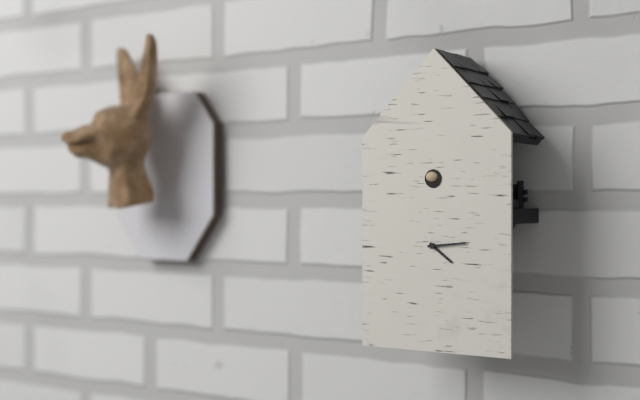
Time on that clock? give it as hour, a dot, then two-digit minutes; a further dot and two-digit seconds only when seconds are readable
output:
4.14
